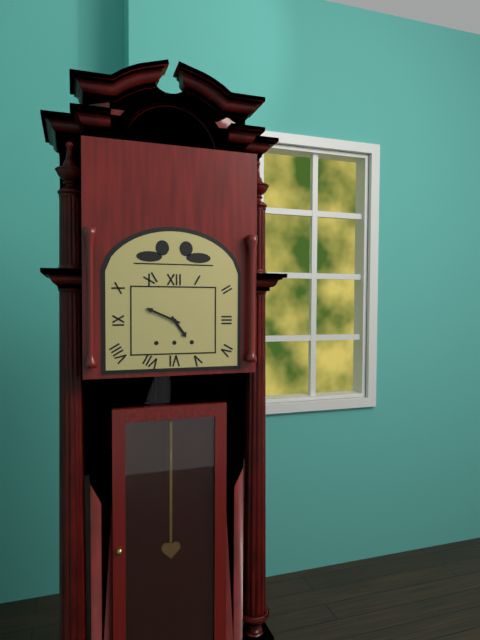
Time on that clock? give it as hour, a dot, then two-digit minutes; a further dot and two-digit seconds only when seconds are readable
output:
4.49
